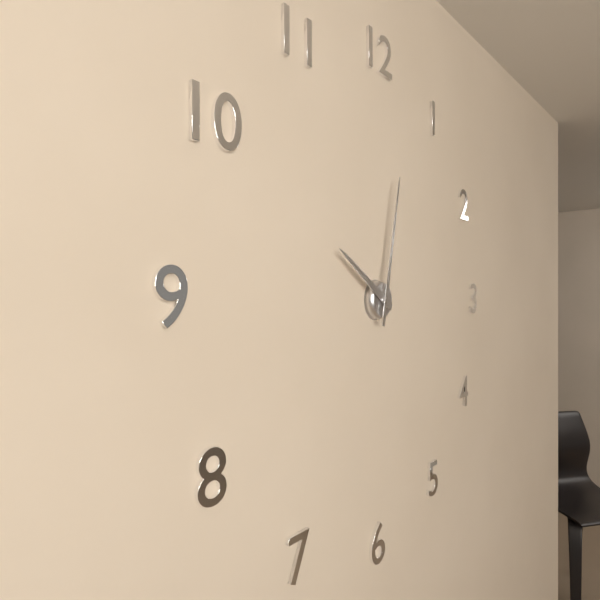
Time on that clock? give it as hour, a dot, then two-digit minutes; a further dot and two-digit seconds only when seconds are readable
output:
10.02
